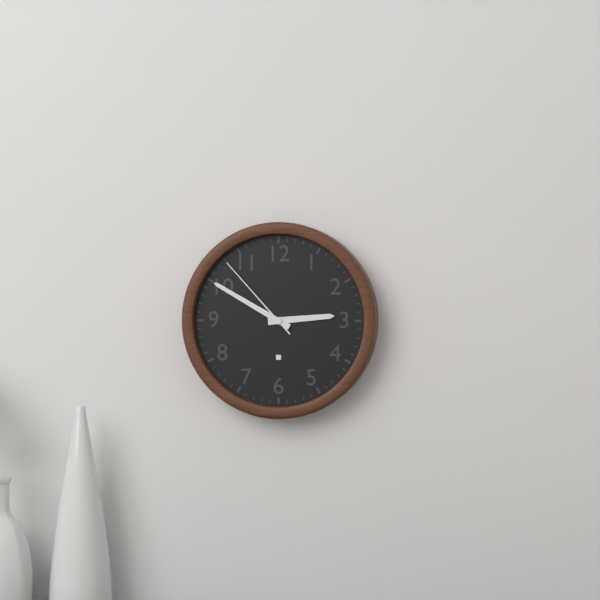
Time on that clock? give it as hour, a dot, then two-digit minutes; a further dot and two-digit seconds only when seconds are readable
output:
2.50.53
